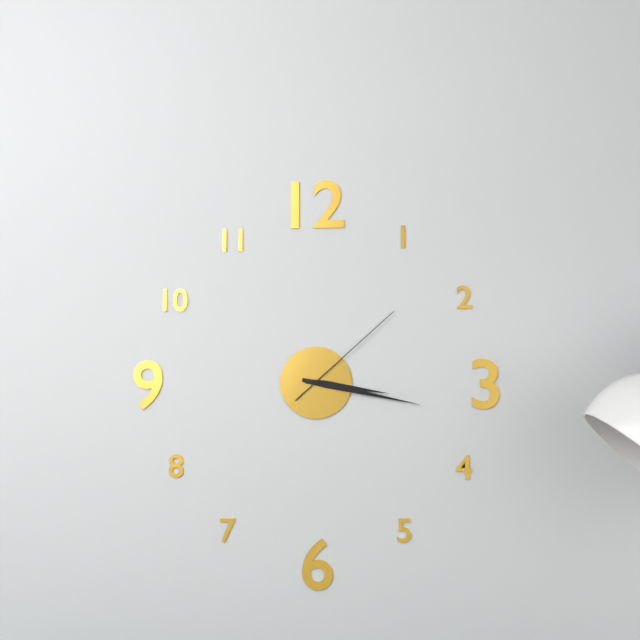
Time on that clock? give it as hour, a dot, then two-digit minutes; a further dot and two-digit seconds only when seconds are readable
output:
3.17.08
